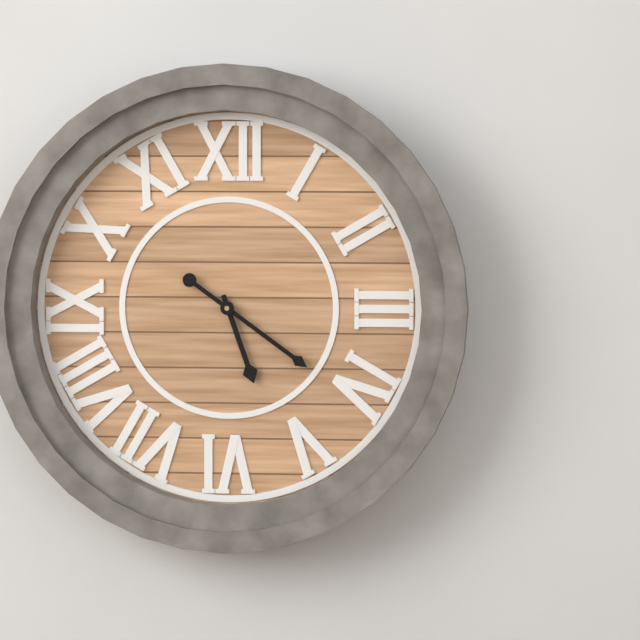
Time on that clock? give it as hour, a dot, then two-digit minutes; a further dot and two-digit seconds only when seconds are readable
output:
5.21
